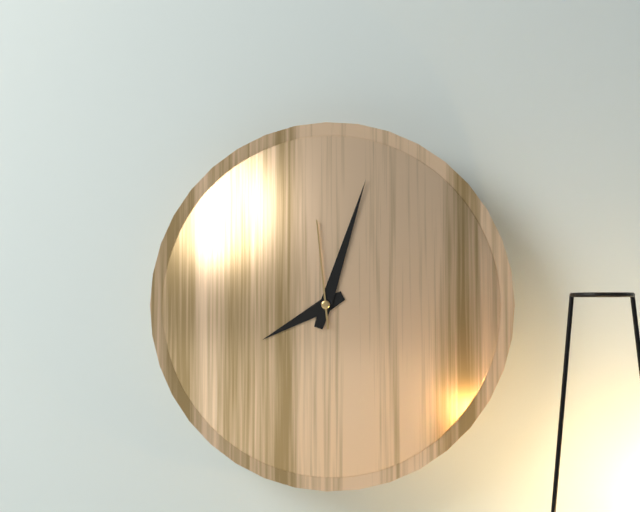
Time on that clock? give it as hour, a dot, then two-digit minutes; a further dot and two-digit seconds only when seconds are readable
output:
8.03.59
